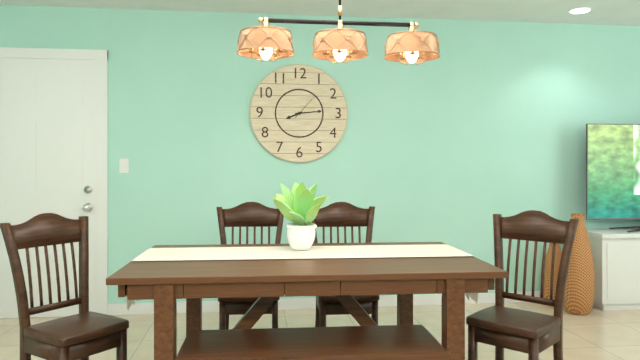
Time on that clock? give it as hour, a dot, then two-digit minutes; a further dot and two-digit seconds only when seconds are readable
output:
8.14
